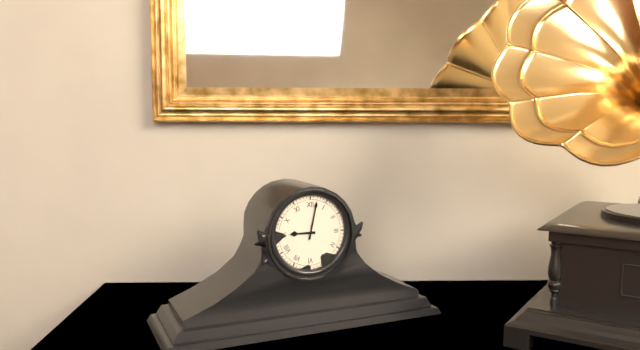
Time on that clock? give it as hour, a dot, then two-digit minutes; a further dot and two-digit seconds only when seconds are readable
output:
9.02
